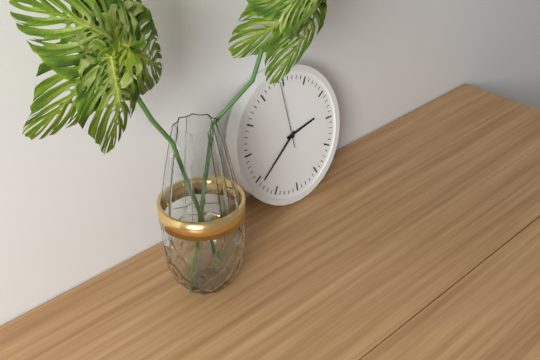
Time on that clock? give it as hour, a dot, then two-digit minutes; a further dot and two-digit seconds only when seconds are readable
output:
2.39.59
